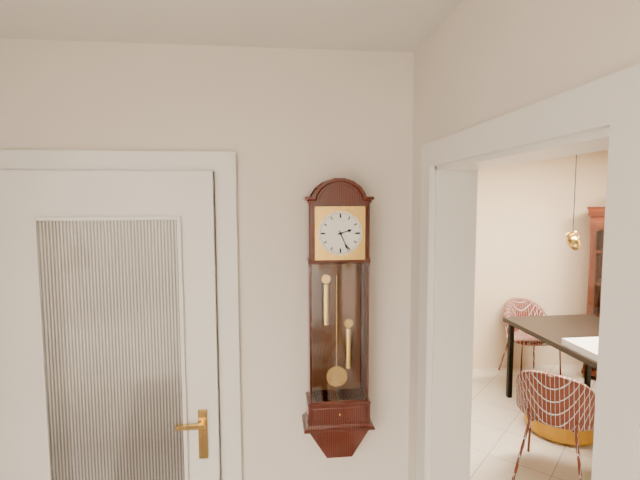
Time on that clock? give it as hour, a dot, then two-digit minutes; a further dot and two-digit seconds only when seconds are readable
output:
2.26
